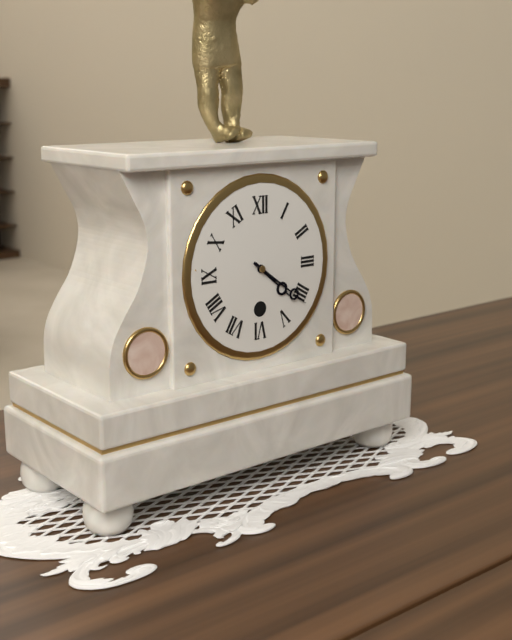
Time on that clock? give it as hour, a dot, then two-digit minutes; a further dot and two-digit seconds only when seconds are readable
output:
4.21
